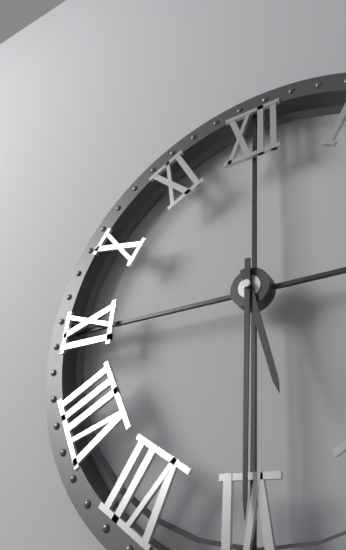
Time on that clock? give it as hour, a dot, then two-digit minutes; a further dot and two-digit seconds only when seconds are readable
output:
5.30
